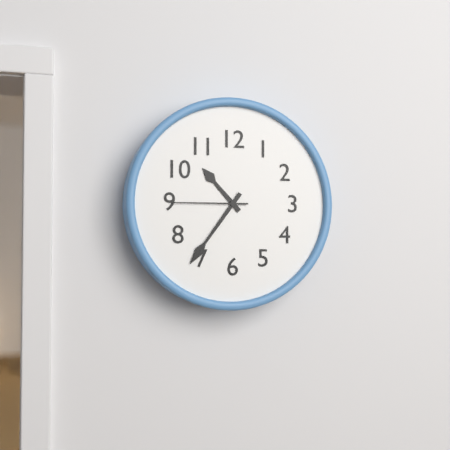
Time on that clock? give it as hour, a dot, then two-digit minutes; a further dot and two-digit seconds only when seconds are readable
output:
10.36.45
